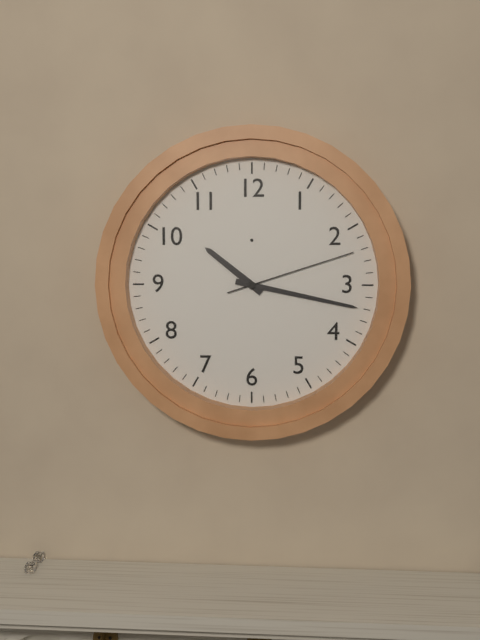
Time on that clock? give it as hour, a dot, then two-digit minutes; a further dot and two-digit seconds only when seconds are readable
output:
10.17.12
